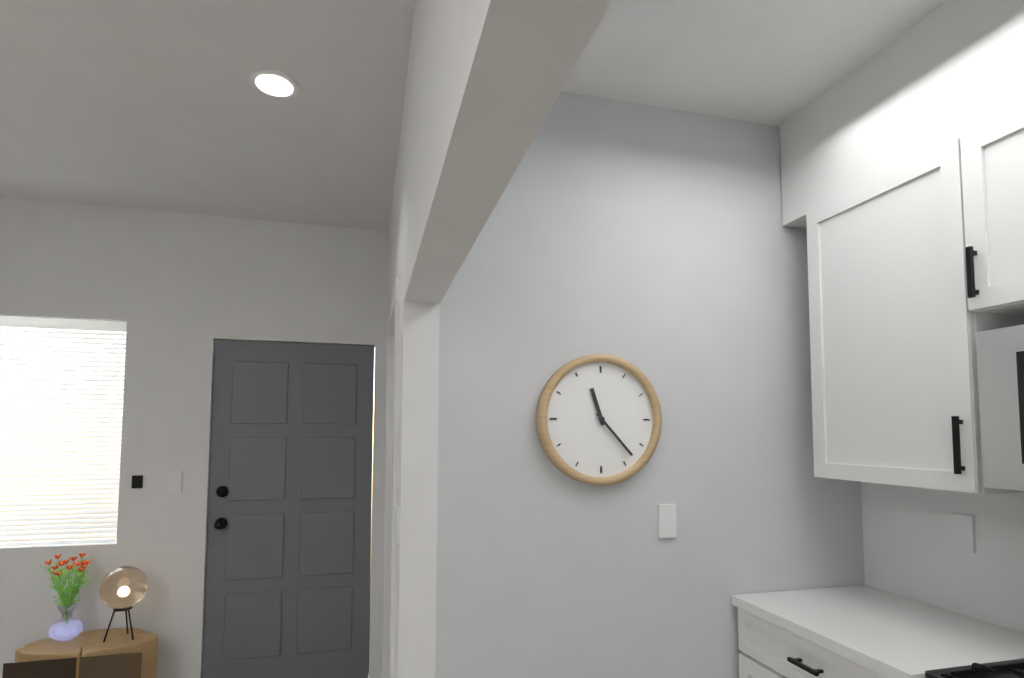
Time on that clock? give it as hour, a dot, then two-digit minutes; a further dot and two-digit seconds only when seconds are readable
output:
11.23
